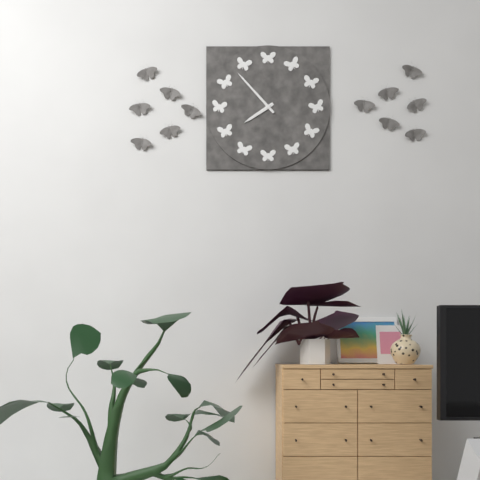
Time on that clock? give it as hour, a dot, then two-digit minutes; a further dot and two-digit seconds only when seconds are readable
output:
7.53
